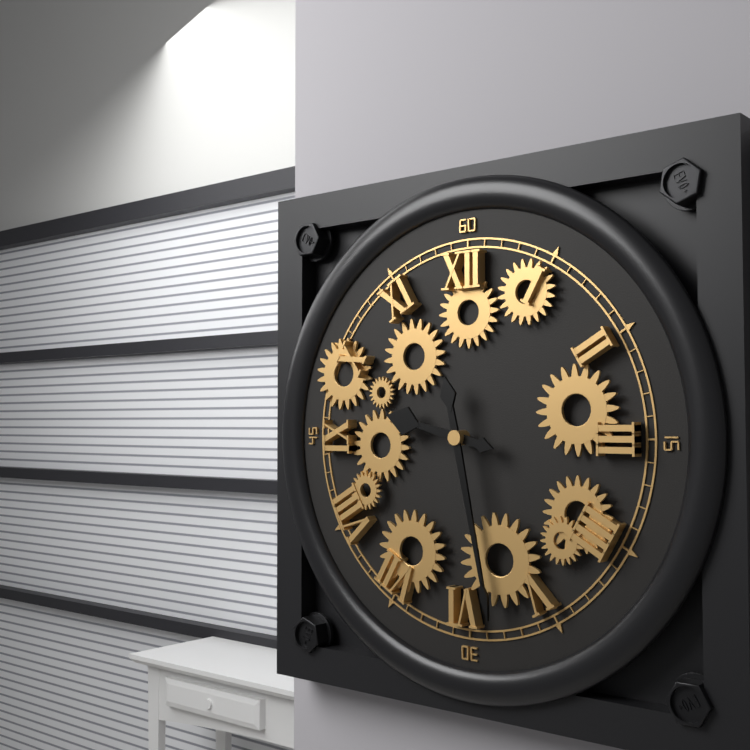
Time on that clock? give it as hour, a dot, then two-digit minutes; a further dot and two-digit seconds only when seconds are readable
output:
9.28
